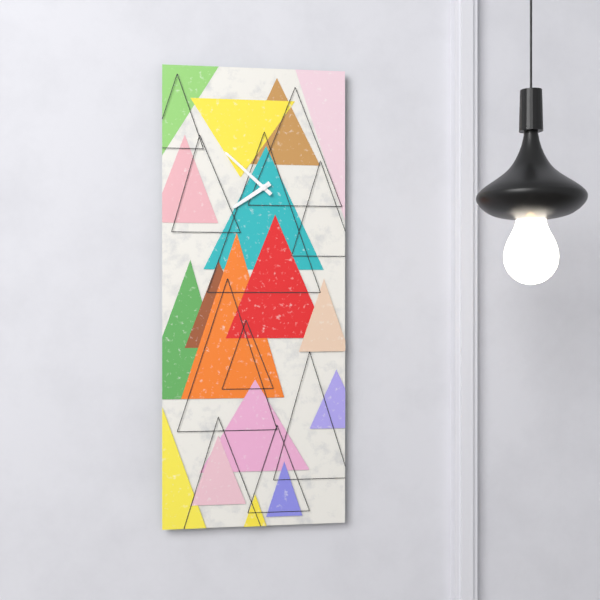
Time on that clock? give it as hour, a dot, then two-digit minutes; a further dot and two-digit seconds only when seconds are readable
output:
7.52
